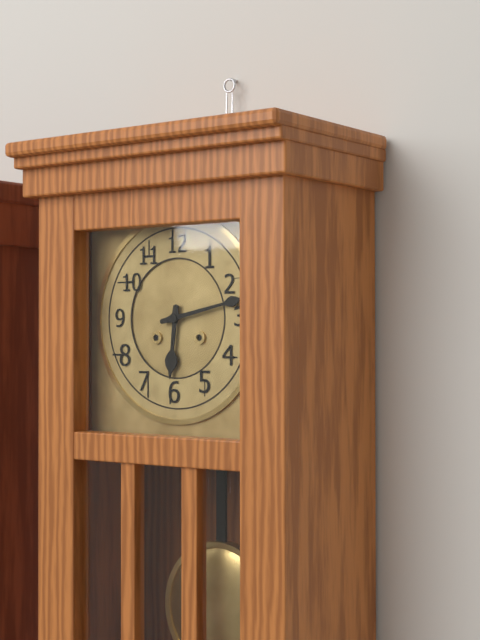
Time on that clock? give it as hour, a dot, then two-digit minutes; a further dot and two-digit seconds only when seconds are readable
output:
6.13
